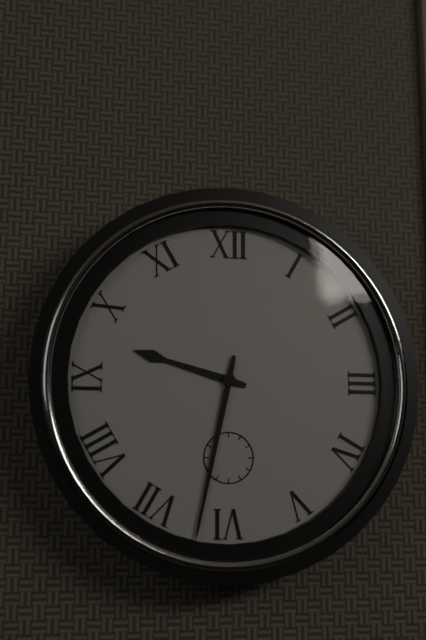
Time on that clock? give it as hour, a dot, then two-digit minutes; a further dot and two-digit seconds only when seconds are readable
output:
9.32
